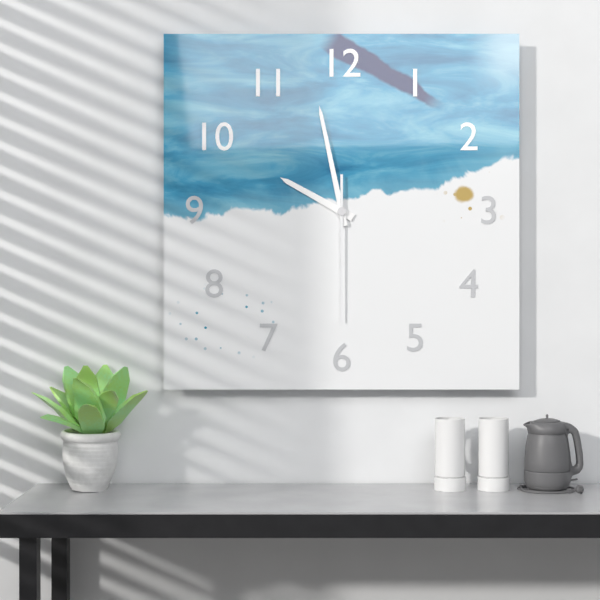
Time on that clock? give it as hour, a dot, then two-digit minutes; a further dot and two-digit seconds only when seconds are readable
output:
9.58.30
